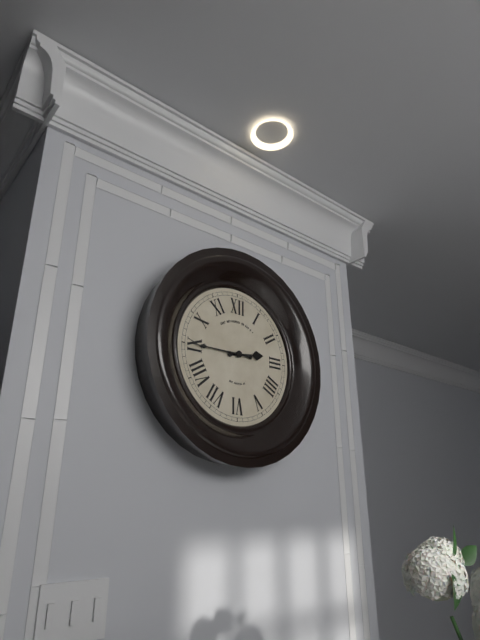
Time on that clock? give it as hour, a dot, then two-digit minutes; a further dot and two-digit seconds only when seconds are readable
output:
2.45
